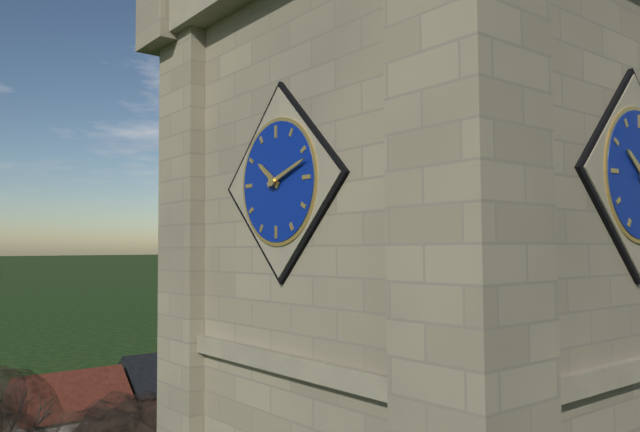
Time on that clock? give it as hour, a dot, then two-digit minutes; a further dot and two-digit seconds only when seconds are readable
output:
10.12
